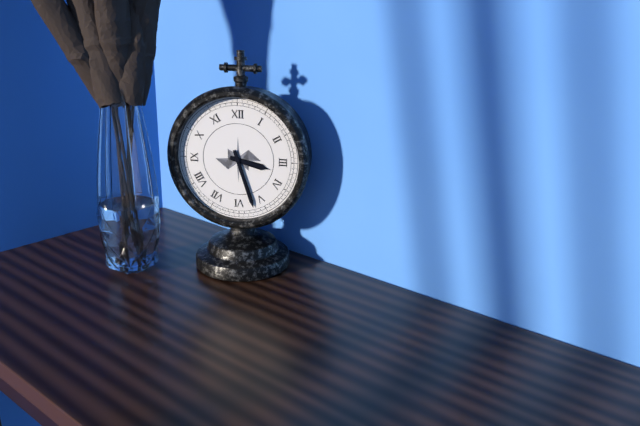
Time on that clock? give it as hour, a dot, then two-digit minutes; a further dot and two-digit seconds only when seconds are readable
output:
3.27
